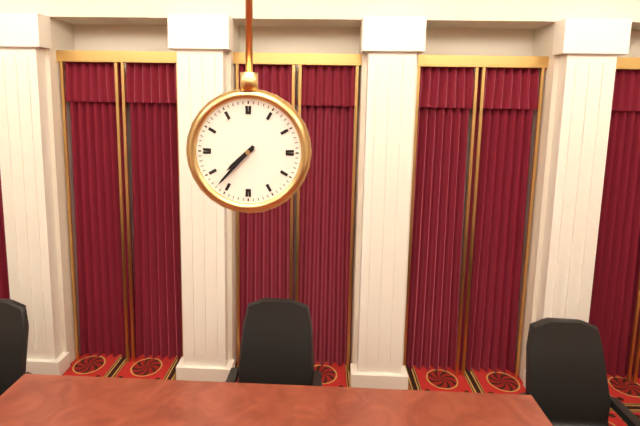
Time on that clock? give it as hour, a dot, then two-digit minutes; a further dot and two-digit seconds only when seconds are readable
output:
7.37
